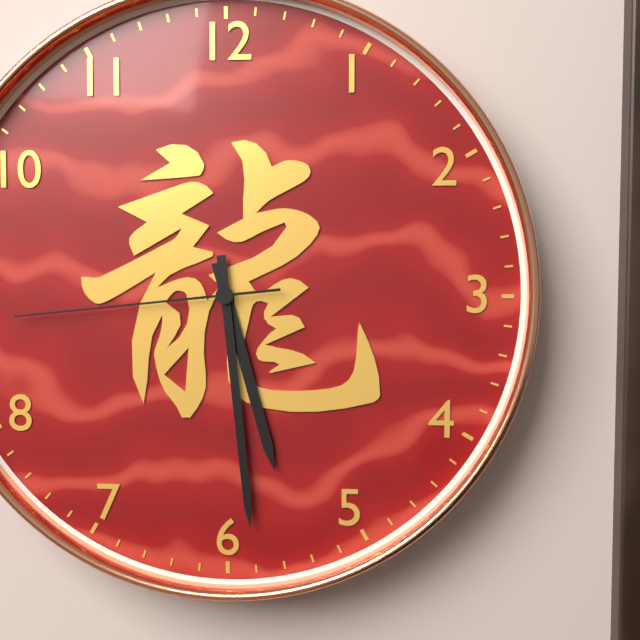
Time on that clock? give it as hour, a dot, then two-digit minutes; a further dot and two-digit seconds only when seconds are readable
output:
5.29.44
